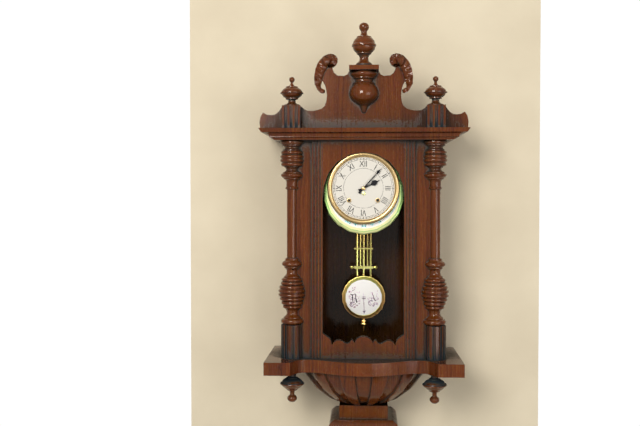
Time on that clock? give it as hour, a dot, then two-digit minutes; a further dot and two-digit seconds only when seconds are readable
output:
2.07
